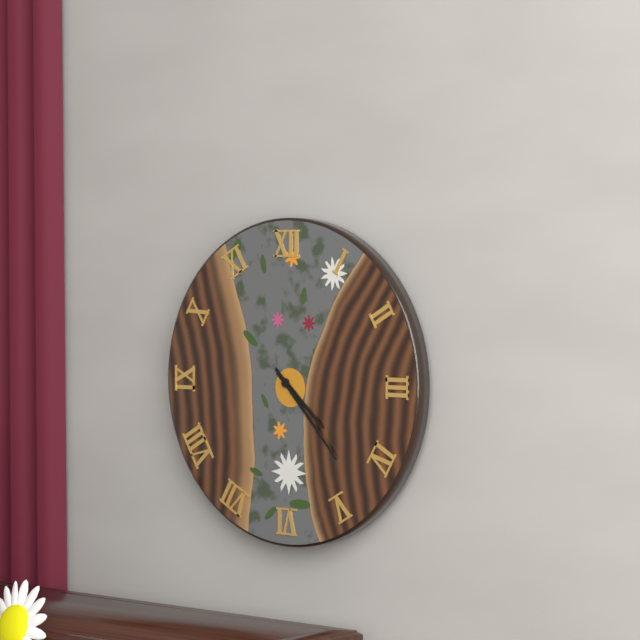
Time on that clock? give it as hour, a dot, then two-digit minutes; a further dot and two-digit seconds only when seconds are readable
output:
4.23
